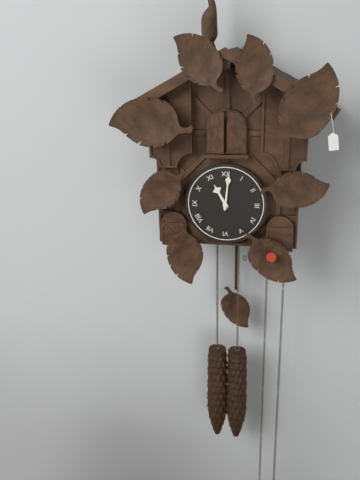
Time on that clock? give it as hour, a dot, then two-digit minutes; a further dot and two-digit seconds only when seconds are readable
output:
11.01
